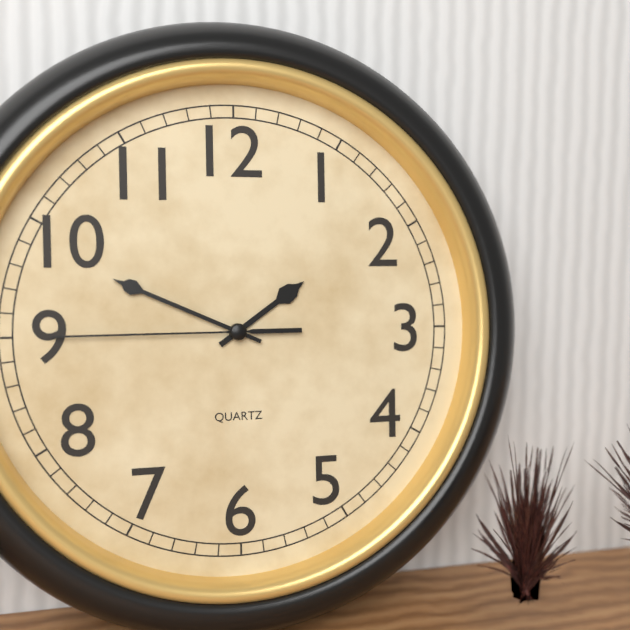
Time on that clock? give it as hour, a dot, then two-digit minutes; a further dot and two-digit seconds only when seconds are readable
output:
1.49.45
